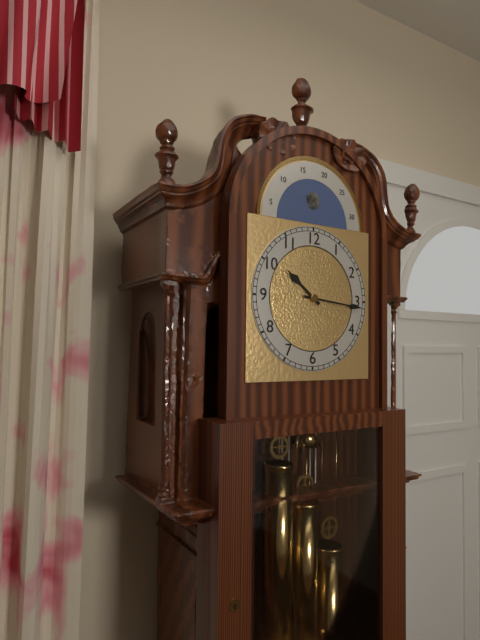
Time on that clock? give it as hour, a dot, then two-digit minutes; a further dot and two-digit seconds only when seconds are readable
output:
10.16
